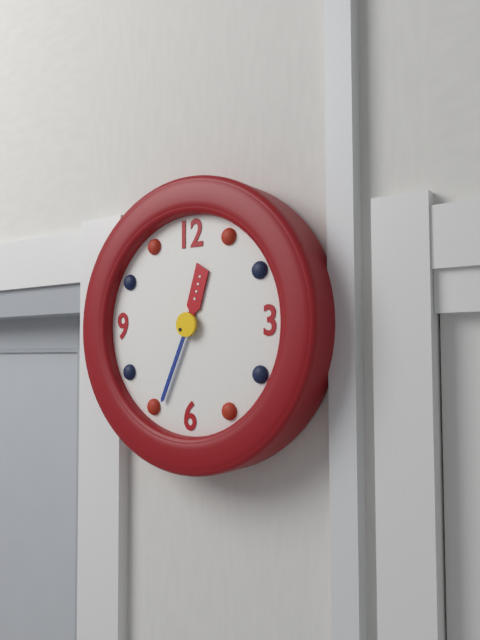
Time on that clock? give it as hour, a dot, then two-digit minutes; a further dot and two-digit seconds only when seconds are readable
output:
12.34
